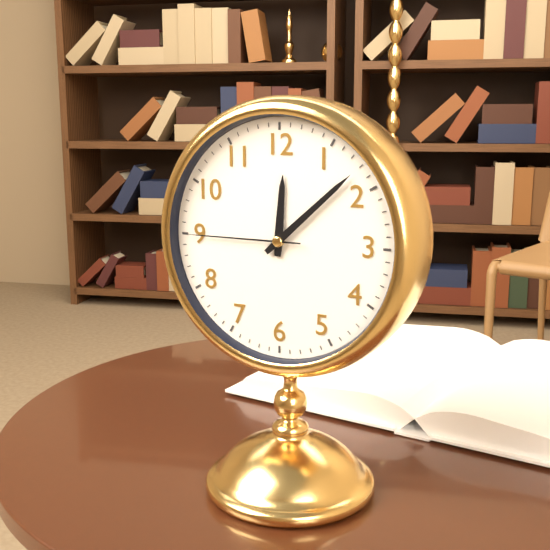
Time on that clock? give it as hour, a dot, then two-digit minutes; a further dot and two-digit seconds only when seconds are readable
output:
12.08.45
